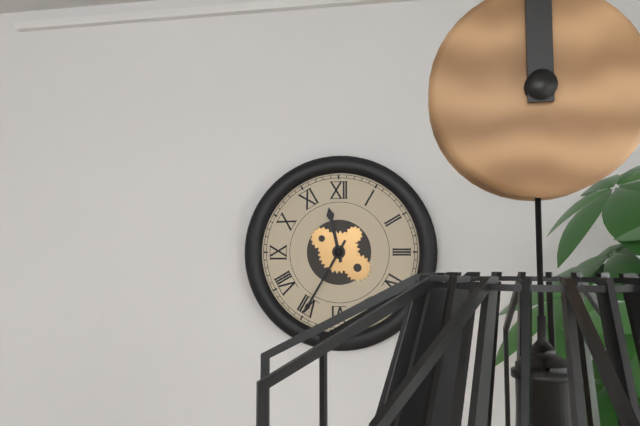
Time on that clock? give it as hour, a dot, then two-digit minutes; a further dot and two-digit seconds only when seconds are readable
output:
11.35
